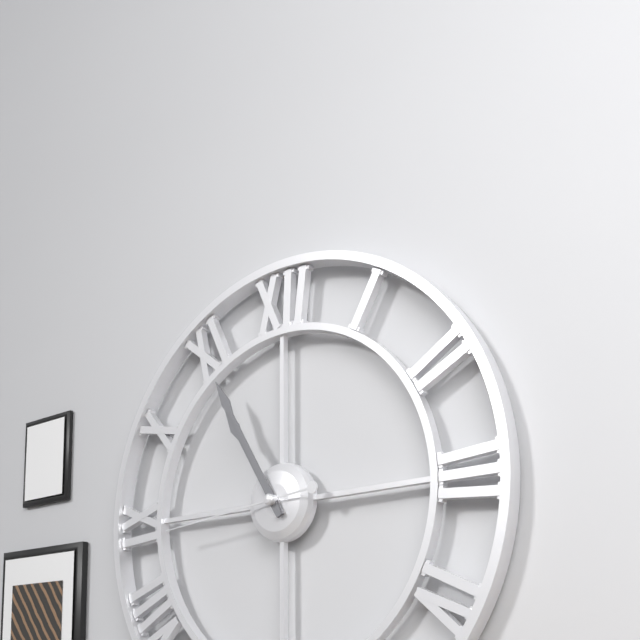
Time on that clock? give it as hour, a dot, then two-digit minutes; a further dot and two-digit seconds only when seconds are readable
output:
10.55.44
